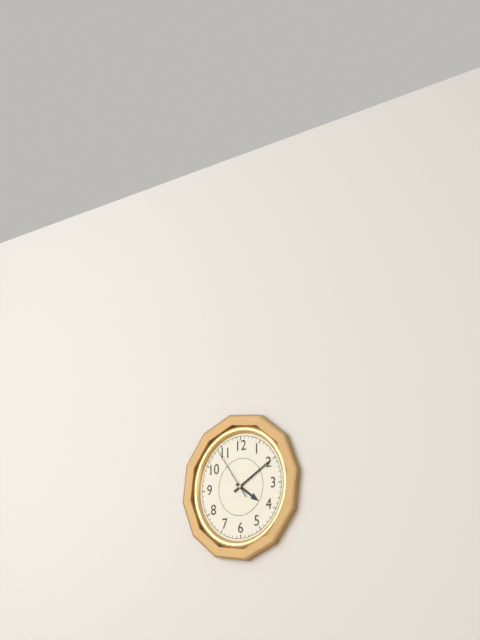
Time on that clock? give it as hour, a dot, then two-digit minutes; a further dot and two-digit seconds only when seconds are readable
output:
4.10.54
